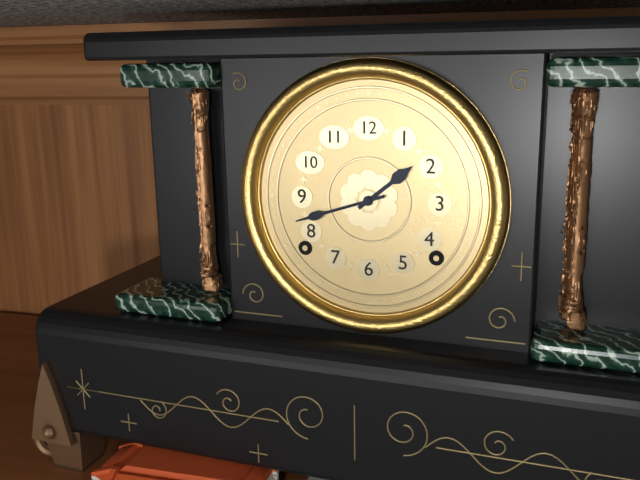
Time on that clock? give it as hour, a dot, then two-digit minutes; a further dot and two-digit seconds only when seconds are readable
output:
1.42
